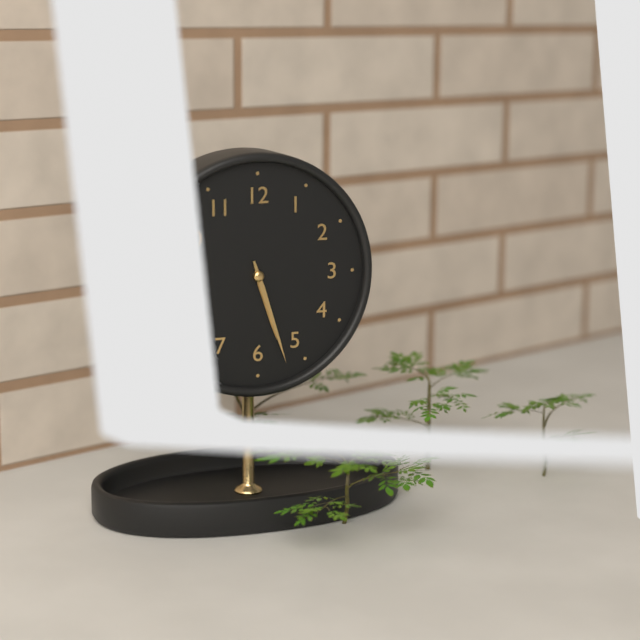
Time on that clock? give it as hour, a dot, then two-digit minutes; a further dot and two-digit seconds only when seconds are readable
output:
5.27
